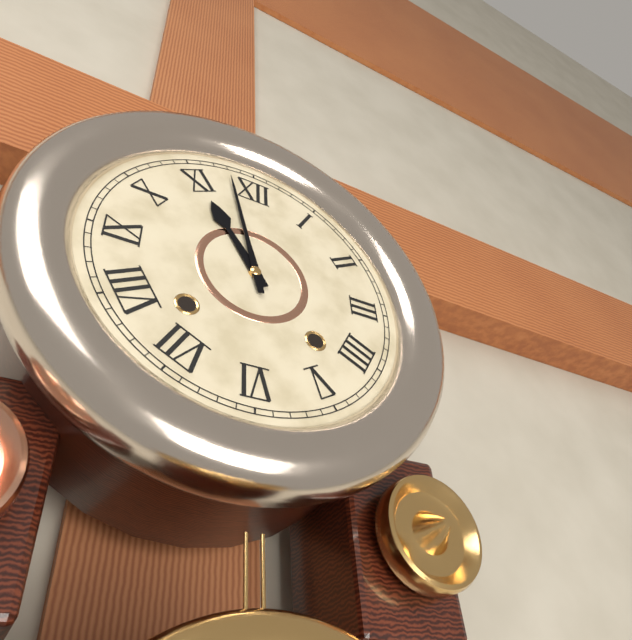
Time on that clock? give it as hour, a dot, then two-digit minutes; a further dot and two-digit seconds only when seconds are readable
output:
10.58
